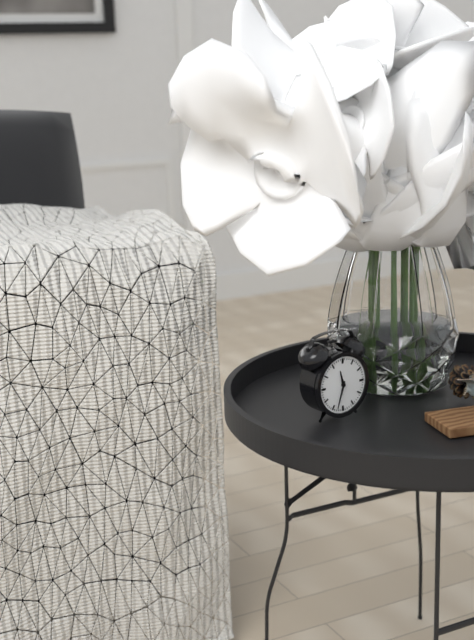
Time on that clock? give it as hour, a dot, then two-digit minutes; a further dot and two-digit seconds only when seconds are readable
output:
11.33
